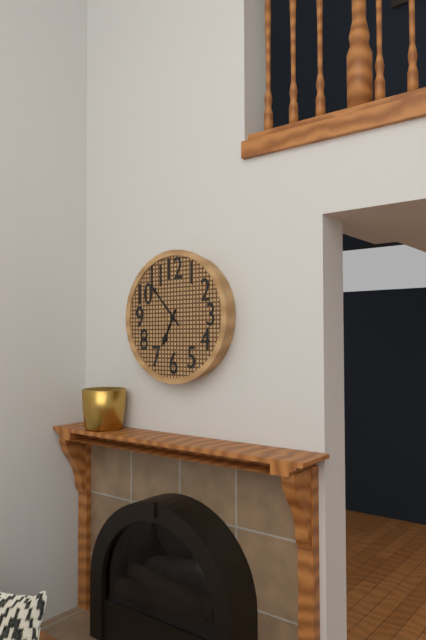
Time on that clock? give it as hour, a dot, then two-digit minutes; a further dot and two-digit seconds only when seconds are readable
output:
6.53
